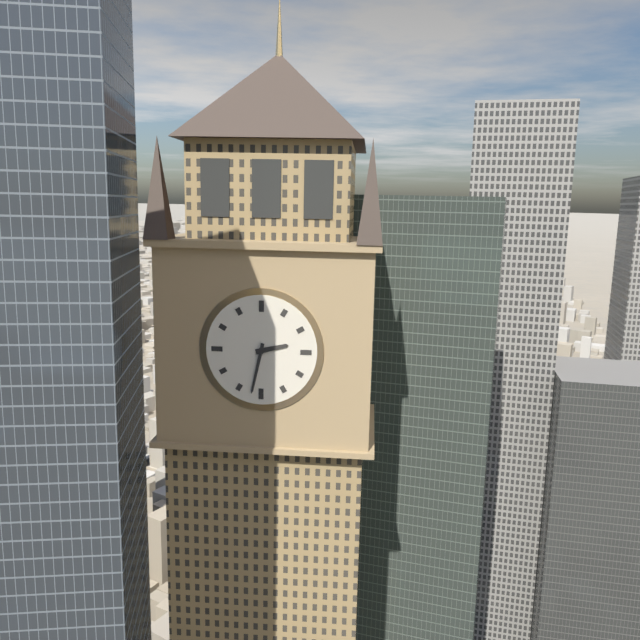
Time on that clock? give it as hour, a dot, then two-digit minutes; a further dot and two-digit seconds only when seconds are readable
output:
2.32
